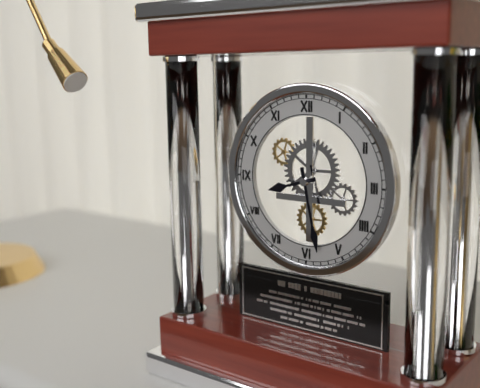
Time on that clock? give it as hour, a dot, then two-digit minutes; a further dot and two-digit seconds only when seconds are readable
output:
8.28
